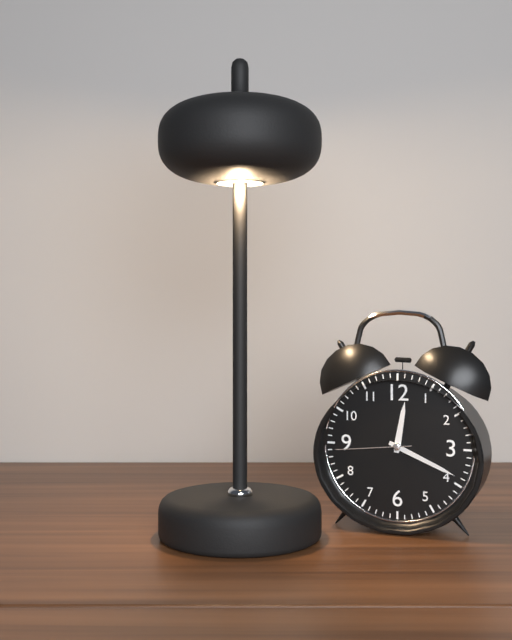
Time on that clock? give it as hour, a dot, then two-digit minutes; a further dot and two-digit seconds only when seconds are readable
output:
12.19.44
